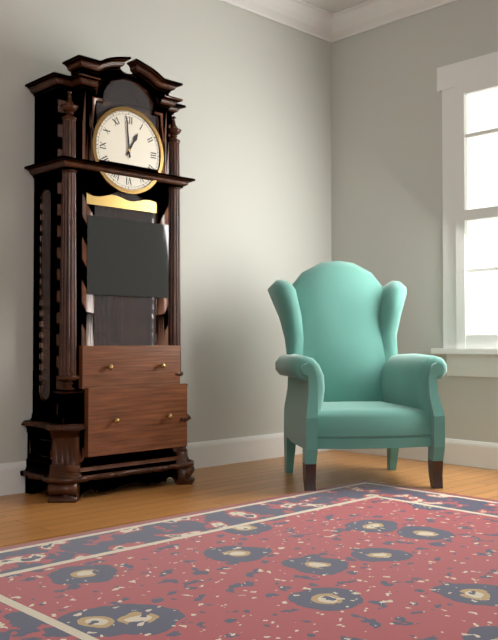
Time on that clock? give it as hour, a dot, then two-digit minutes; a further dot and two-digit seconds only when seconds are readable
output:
12.59
